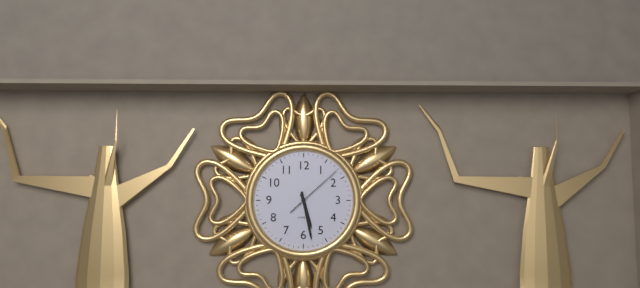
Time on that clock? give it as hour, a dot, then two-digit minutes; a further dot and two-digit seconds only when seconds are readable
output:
5.28.08
